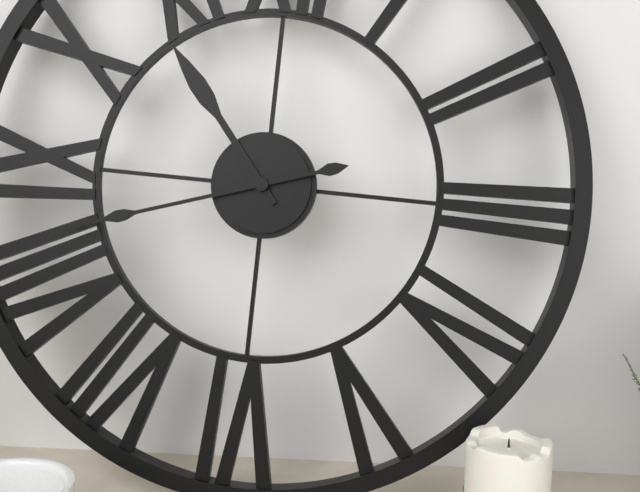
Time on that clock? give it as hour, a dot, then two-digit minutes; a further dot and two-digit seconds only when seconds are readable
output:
10.42
